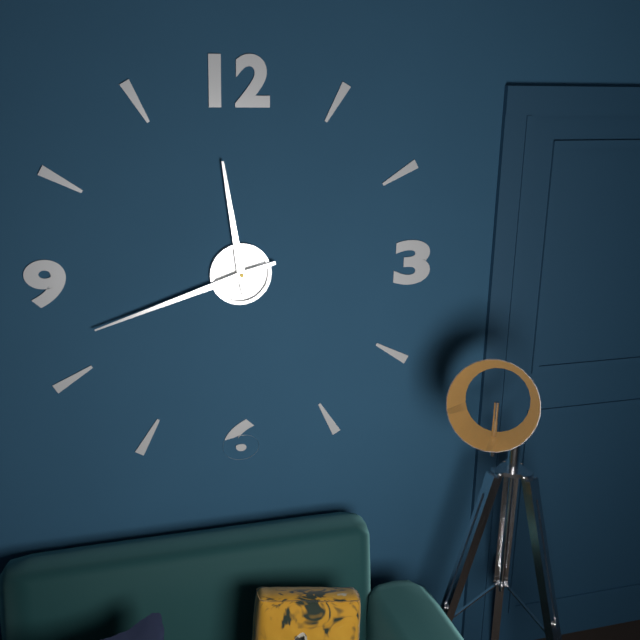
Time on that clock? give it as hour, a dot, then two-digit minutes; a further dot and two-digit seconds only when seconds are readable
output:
11.42
